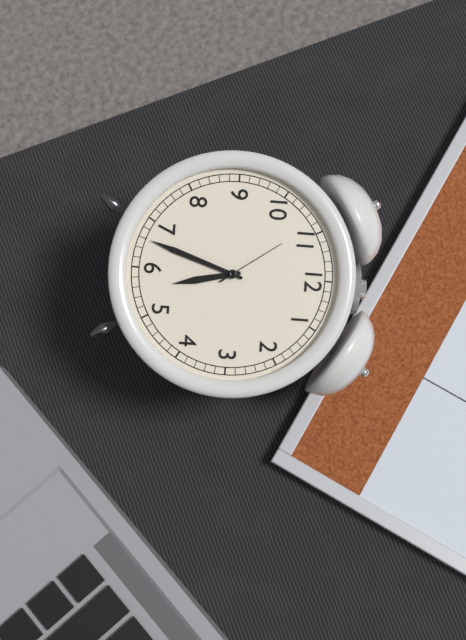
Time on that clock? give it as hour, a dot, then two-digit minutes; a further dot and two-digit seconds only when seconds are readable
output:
5.33.54
